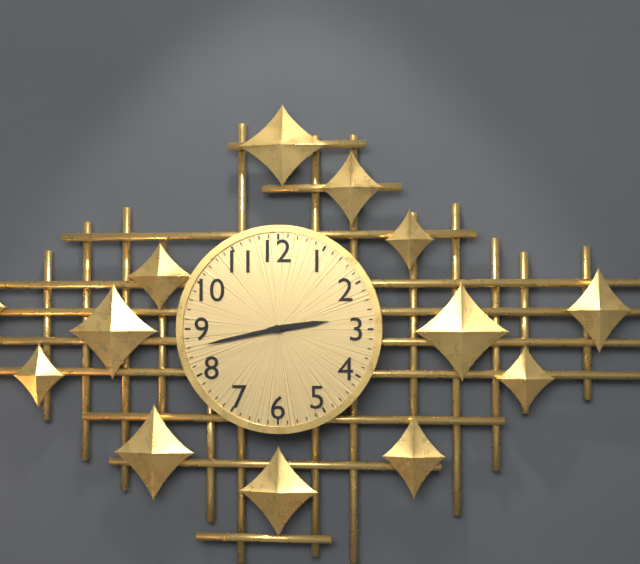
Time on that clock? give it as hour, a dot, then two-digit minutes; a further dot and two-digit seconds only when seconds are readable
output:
2.43
